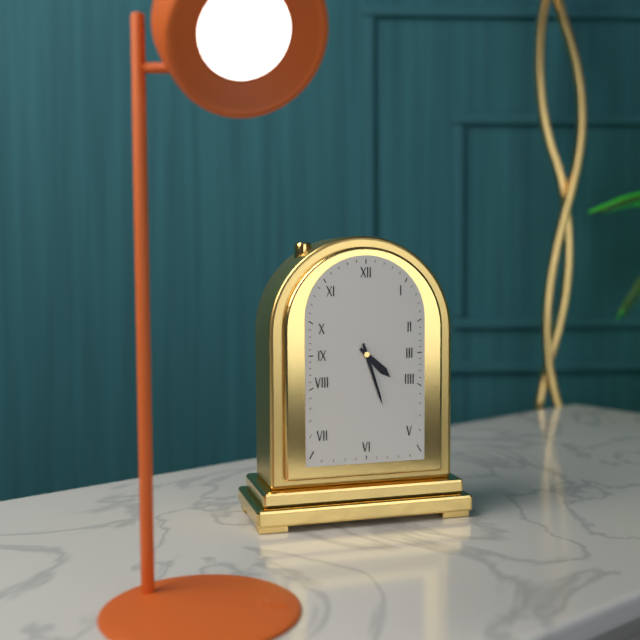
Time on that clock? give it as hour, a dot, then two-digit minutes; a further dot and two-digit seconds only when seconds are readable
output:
4.27
